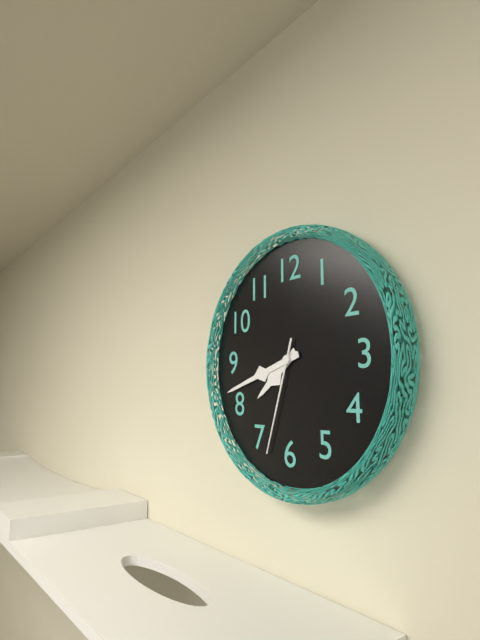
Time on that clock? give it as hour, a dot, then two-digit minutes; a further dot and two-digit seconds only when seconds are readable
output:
7.42.33
